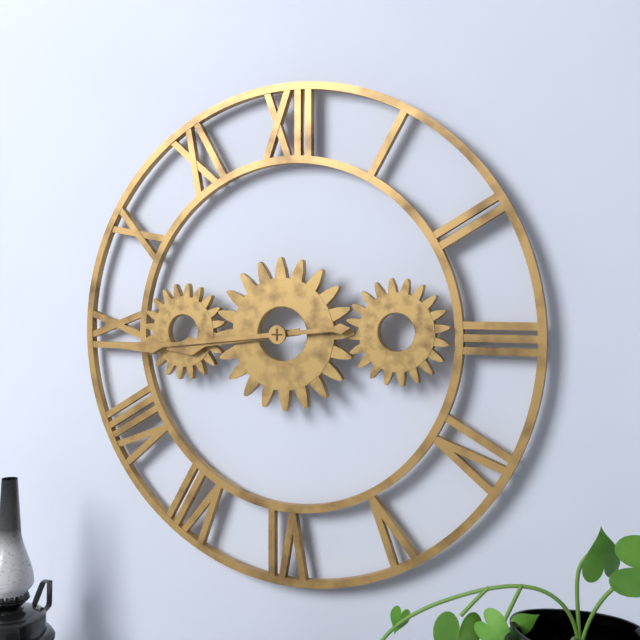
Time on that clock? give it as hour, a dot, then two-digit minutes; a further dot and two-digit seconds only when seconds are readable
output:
8.44
